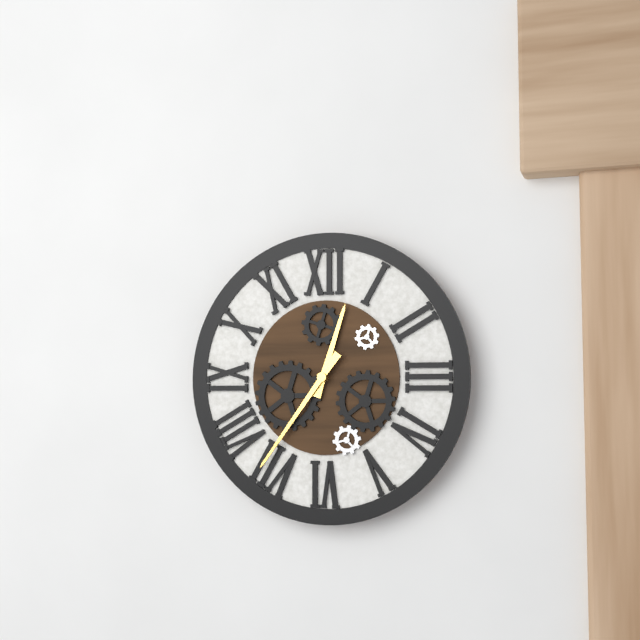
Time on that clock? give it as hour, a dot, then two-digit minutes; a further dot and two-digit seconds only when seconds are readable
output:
12.36
